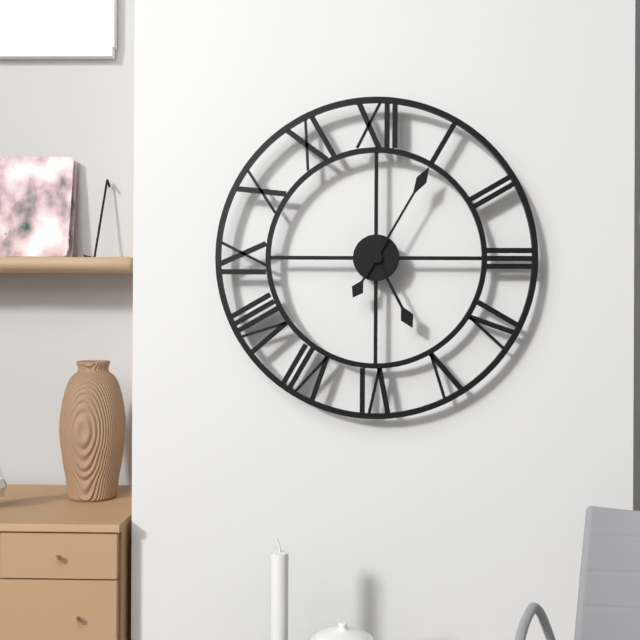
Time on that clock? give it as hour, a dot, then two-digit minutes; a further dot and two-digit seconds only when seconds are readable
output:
5.05
